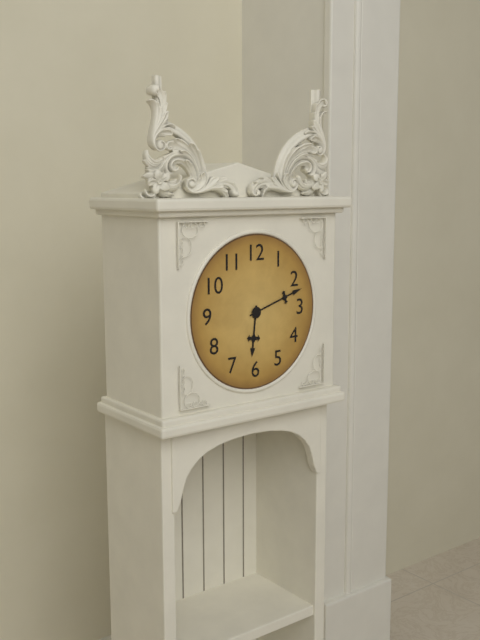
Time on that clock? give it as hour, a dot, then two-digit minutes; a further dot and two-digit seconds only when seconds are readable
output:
6.12
